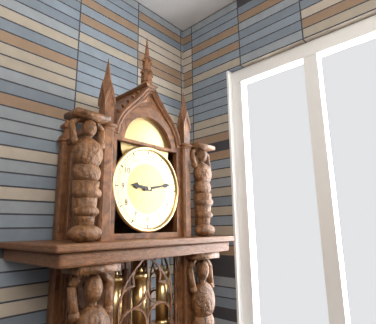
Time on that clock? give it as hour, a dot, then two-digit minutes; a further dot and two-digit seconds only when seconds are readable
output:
9.13
